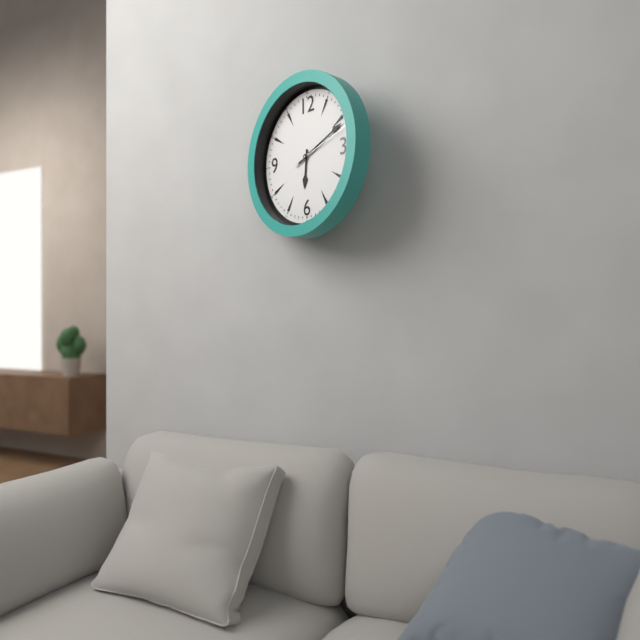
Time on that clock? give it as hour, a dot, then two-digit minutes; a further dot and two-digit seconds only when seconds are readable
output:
6.11.12
